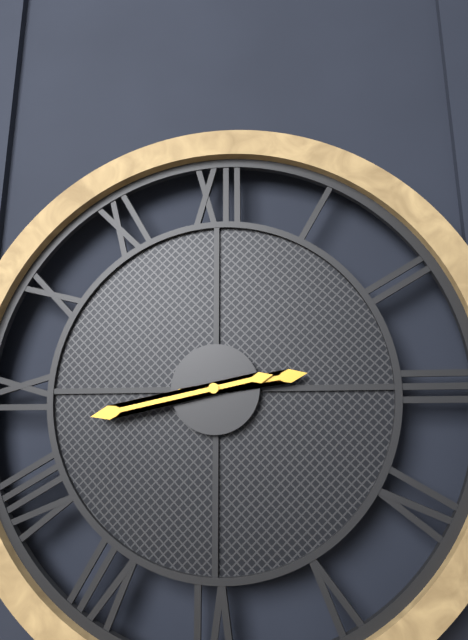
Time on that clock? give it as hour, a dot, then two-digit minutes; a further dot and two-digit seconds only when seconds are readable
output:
2.43
